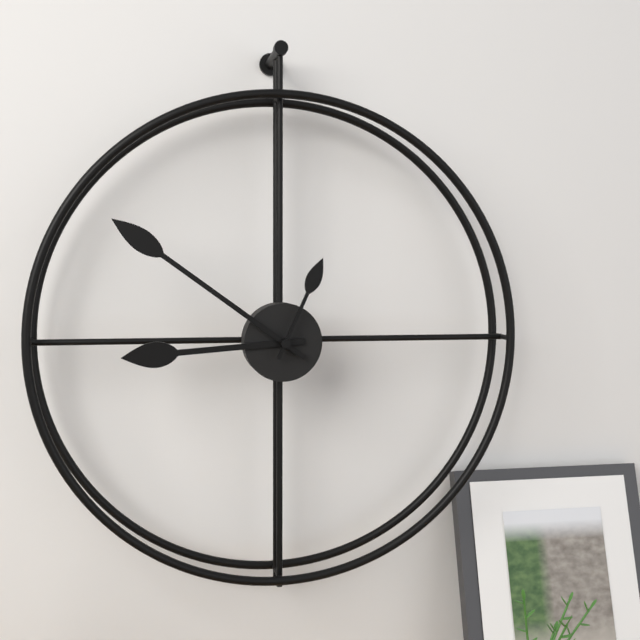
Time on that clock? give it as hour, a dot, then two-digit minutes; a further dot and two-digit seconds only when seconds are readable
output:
8.51.04
